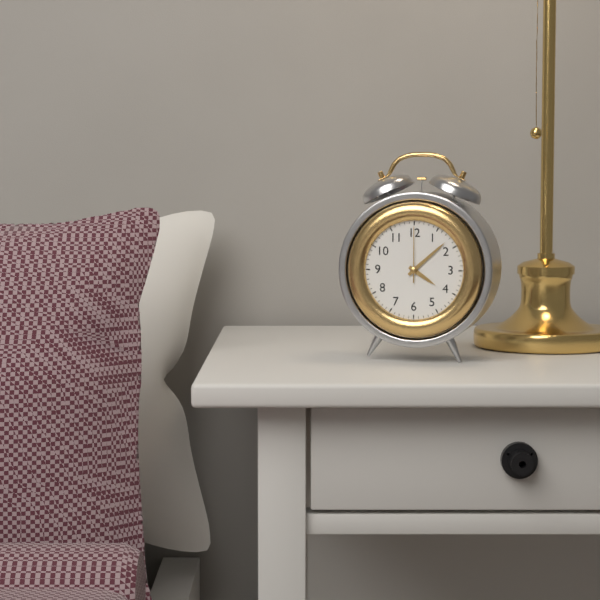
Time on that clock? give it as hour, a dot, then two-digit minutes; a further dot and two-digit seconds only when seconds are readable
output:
4.08.00
